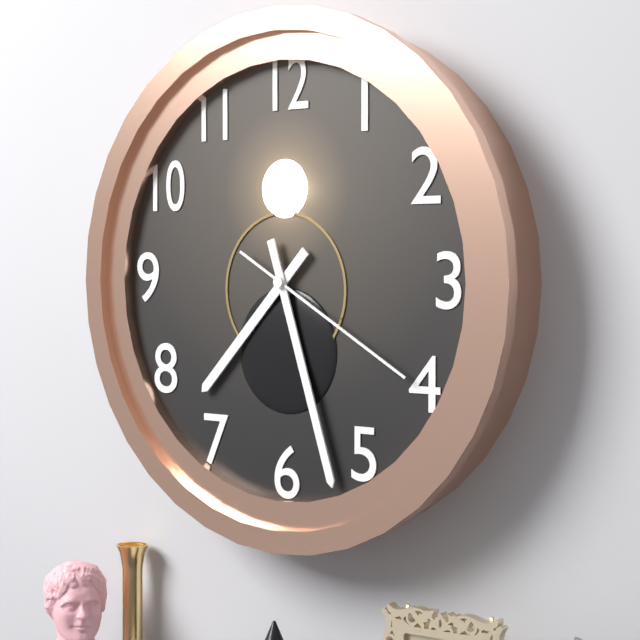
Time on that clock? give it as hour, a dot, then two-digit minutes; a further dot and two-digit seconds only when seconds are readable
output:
7.27.20
